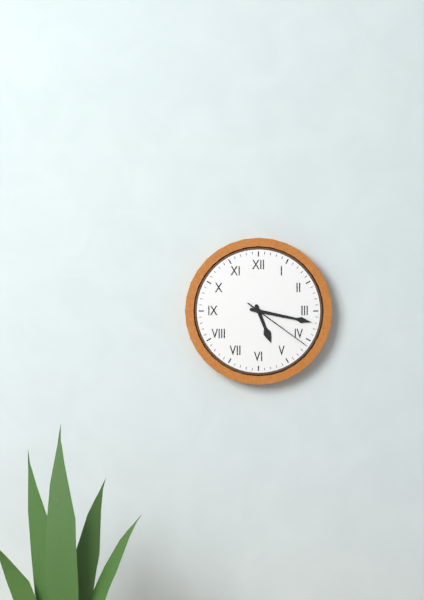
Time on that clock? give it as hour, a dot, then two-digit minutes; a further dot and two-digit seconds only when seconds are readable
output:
5.17.21
